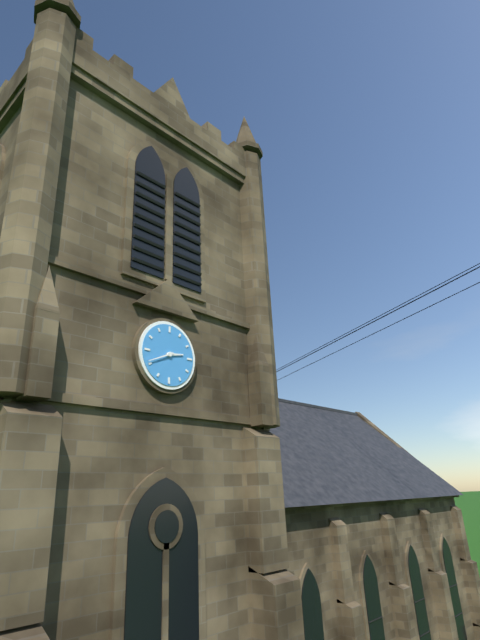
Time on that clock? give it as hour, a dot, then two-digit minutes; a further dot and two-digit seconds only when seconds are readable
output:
2.41
